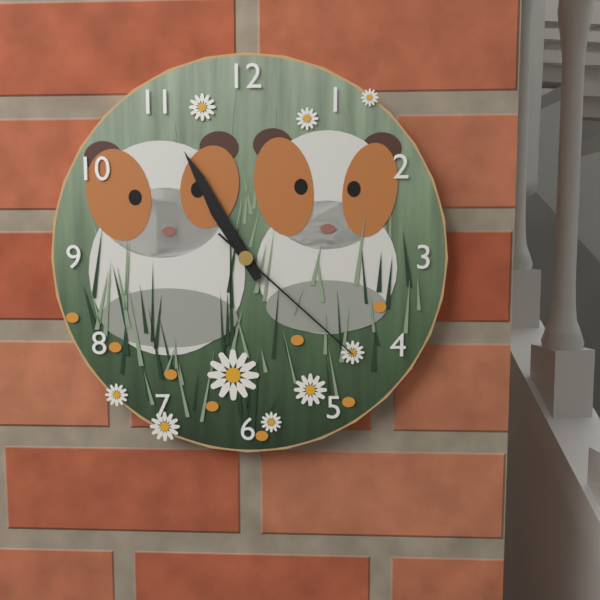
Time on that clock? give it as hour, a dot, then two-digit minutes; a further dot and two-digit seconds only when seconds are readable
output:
10.55.22
